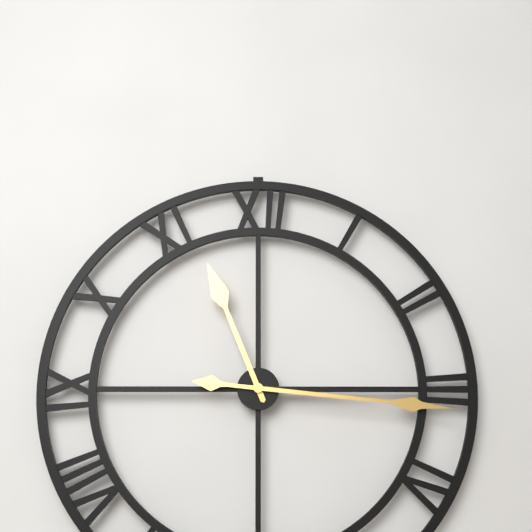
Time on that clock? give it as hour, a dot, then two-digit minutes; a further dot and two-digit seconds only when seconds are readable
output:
11.16
